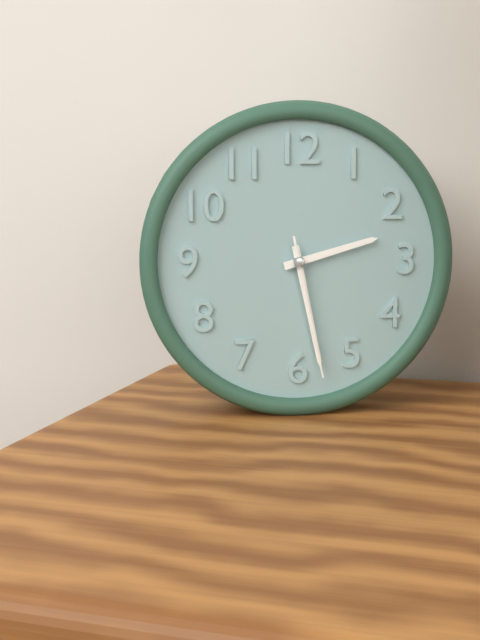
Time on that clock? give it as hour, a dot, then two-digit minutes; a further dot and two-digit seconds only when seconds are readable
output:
2.28.28
